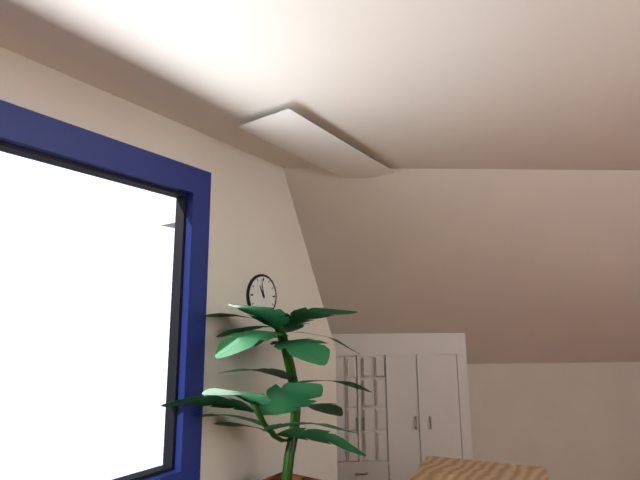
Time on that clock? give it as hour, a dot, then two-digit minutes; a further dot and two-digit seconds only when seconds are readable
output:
10.58
